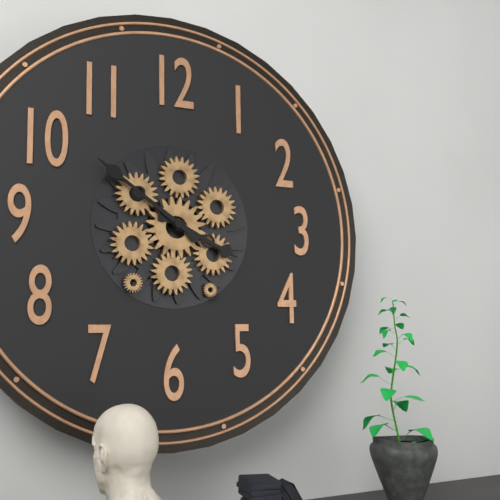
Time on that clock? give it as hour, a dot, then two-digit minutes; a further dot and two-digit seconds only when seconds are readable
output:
3.51
